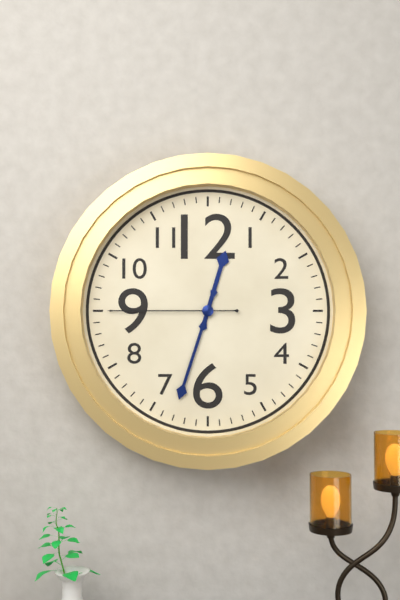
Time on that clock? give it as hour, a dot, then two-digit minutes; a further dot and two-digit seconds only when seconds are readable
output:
12.33.45
